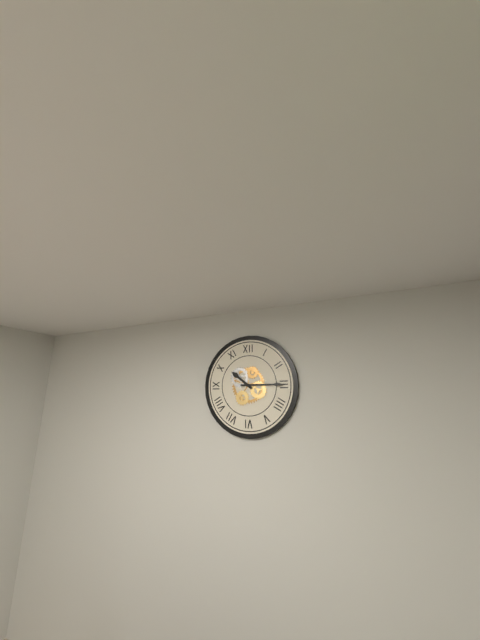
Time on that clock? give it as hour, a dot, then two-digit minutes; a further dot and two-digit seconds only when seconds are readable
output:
10.15
